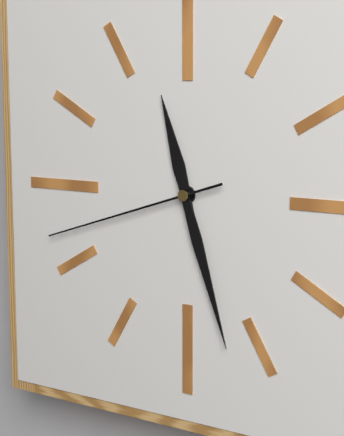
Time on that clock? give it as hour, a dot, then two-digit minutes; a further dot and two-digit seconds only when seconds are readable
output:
11.27.42
